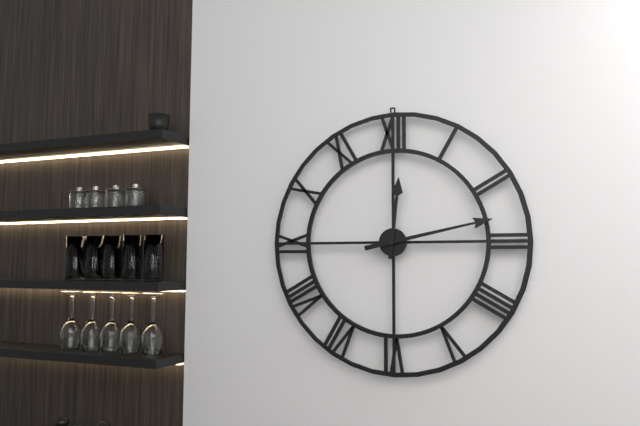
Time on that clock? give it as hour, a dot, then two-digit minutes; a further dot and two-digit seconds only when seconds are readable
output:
12.13
